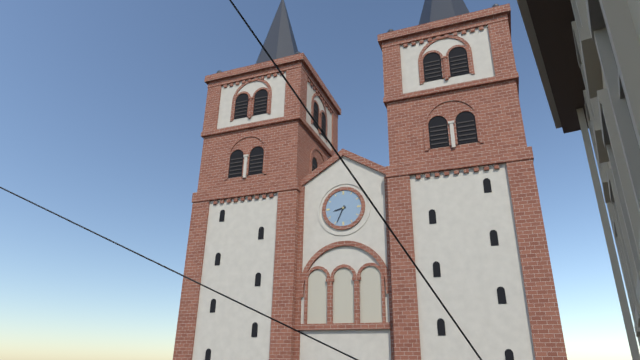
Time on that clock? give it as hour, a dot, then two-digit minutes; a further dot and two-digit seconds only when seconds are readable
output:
8.34
